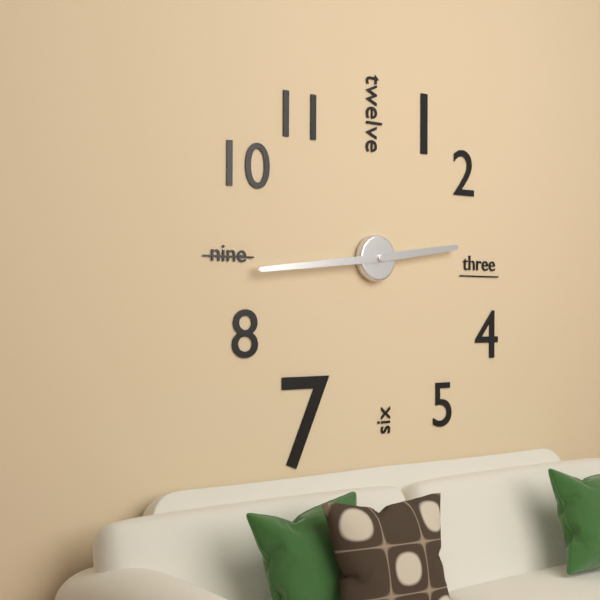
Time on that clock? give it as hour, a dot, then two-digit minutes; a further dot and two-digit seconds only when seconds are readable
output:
2.44
